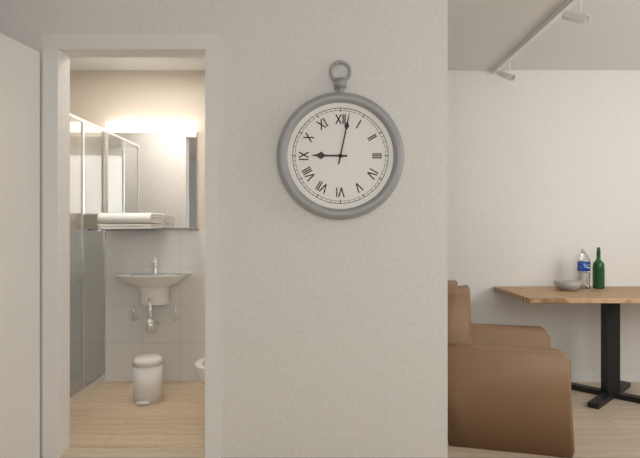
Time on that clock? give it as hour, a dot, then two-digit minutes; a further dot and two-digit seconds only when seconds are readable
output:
9.02
